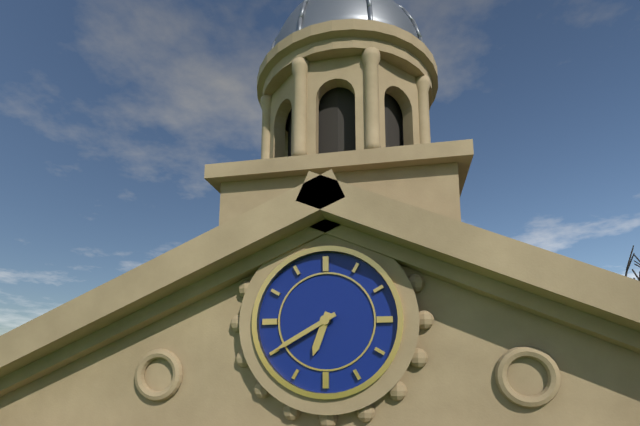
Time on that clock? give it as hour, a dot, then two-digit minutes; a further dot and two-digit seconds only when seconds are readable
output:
6.40
